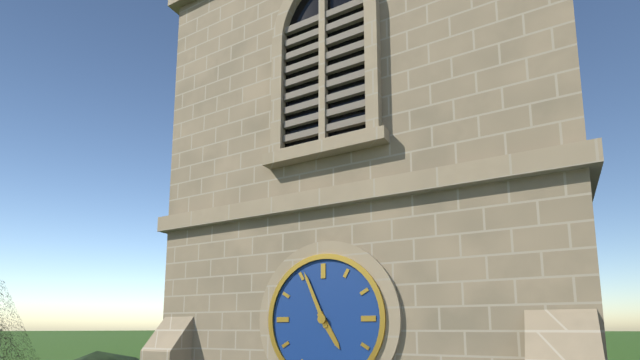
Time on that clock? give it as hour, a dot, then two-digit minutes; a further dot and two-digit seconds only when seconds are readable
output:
4.56
